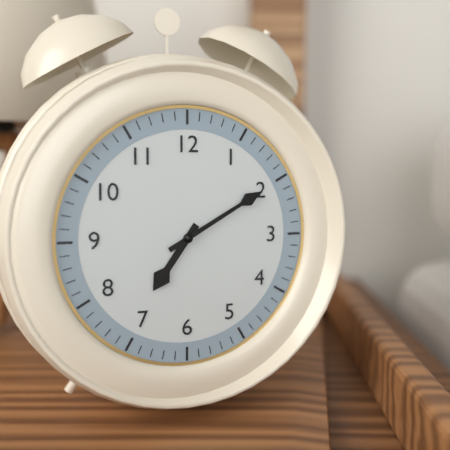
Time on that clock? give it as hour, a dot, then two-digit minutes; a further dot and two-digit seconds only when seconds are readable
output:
7.10
